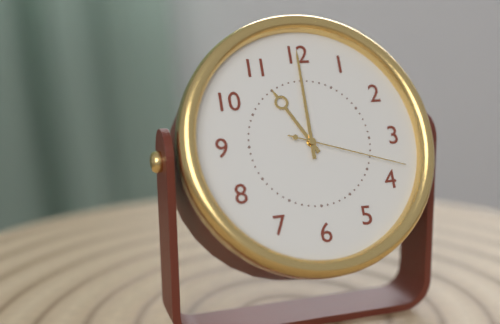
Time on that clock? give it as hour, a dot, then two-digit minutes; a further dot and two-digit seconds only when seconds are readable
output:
11.00.18
